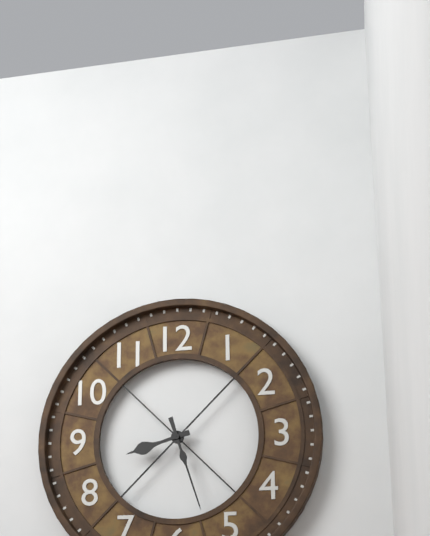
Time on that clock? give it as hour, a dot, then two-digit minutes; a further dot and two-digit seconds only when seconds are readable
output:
8.27
